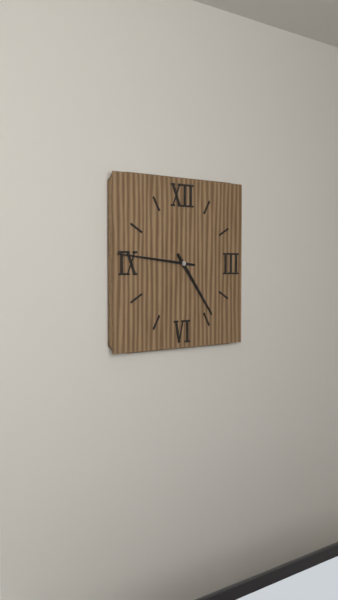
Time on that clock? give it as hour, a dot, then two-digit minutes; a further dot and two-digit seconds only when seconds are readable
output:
4.46
